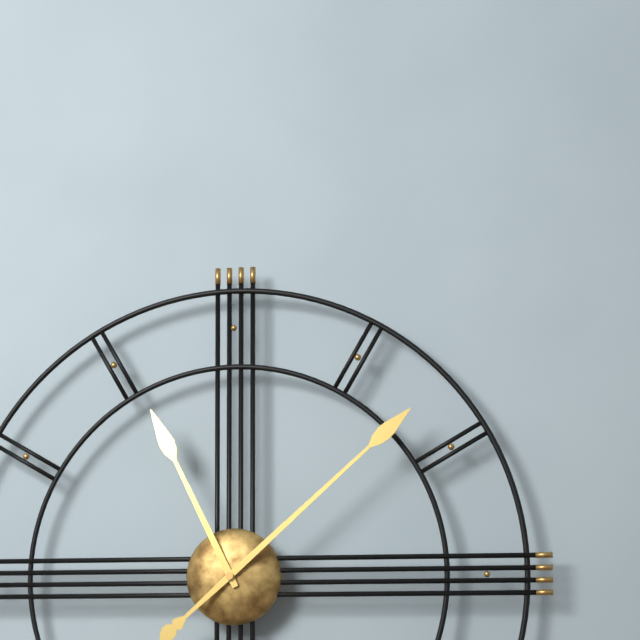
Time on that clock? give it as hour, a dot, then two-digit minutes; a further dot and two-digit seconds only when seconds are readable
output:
11.08
